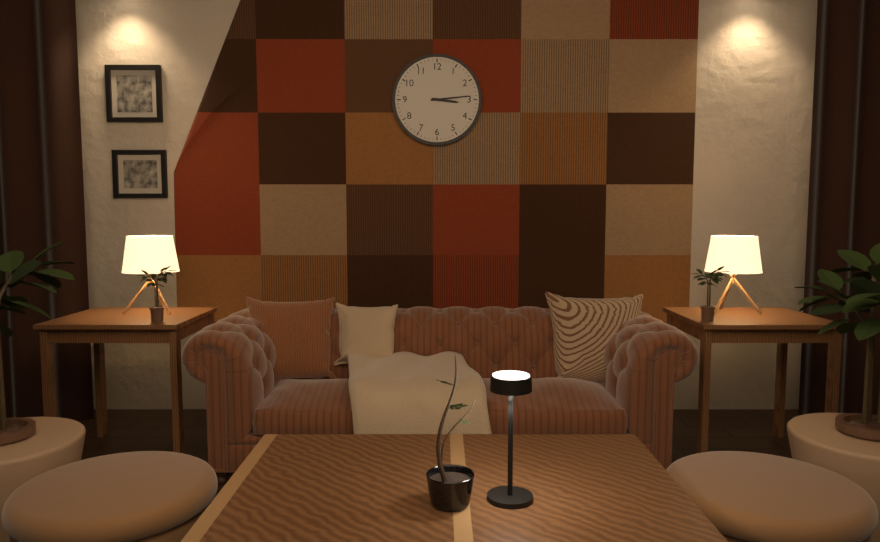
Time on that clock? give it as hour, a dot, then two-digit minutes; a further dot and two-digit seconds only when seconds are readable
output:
3.14
